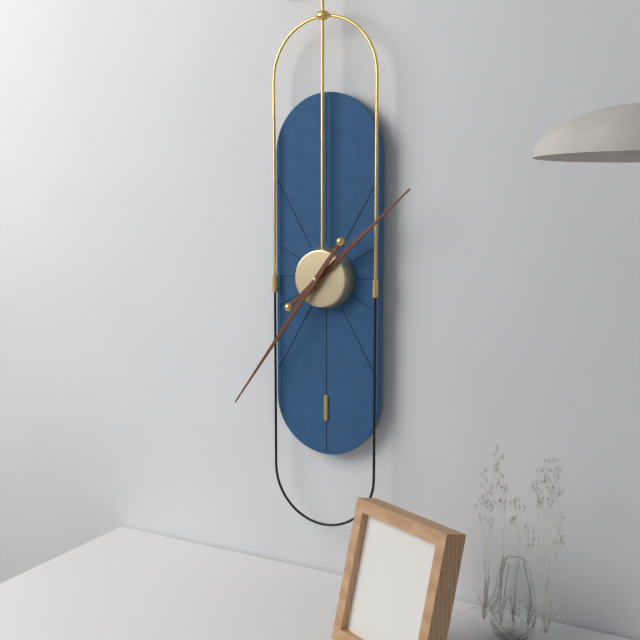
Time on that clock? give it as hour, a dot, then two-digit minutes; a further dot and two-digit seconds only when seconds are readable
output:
1.36
